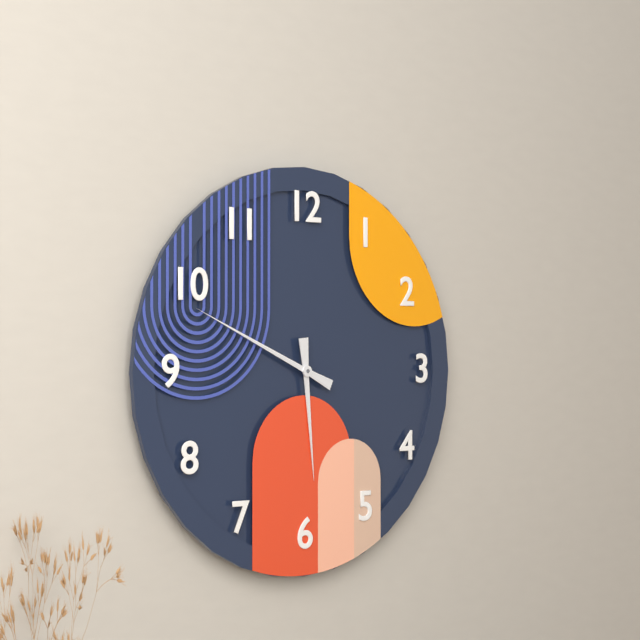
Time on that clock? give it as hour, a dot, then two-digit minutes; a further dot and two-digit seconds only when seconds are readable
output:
5.49
